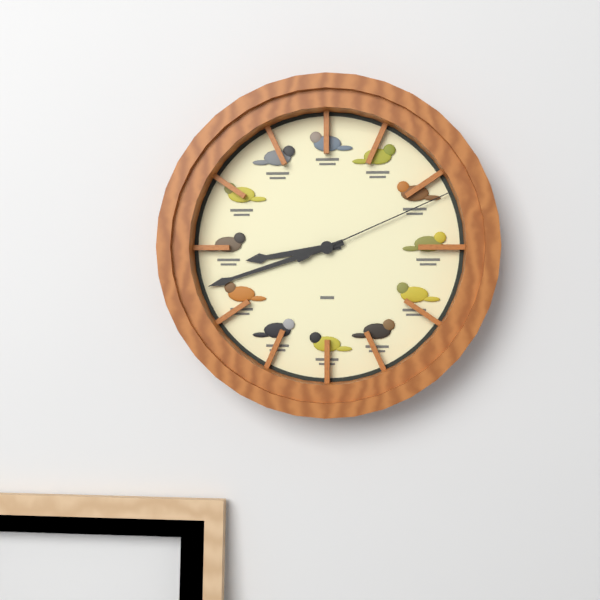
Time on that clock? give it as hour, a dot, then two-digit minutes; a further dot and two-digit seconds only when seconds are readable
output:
8.42.11
